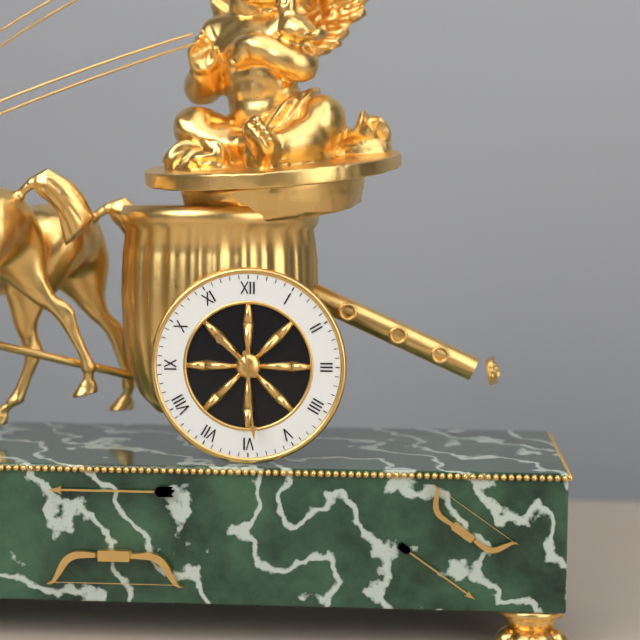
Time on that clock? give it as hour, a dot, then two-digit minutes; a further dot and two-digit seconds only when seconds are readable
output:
10.29
